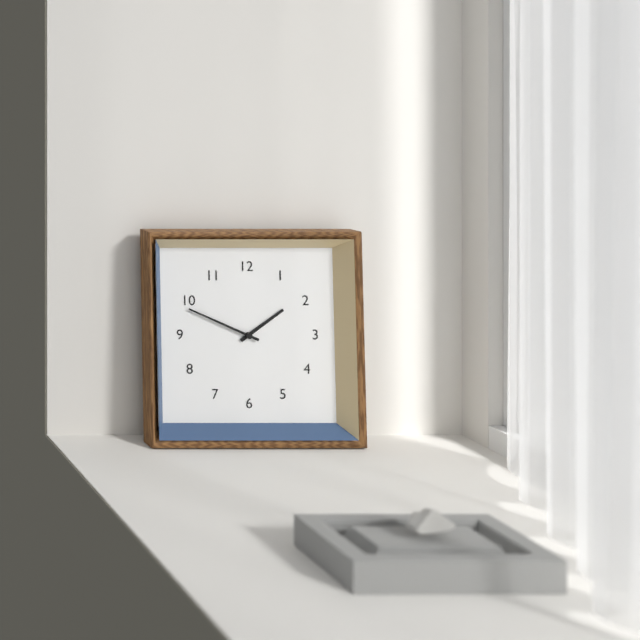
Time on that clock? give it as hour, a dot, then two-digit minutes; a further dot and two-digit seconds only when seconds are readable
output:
1.49
